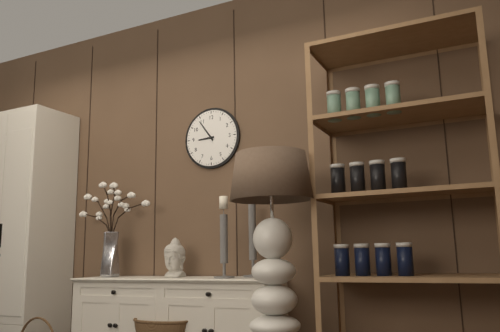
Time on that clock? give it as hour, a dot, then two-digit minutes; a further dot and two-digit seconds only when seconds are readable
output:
8.54
